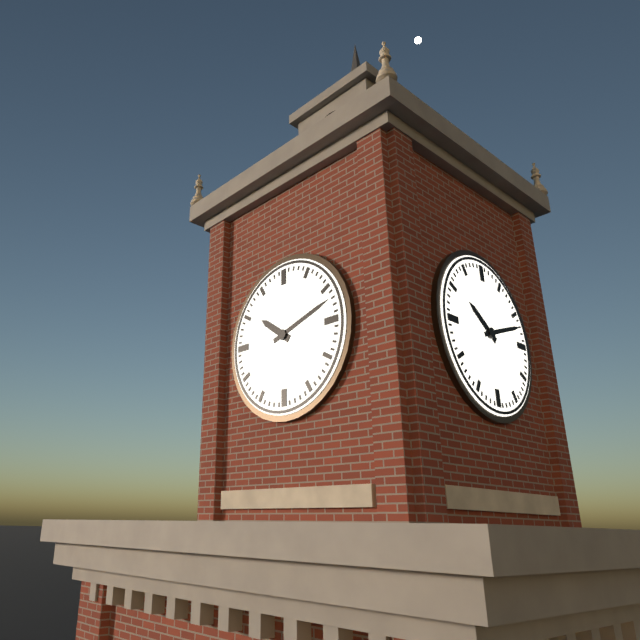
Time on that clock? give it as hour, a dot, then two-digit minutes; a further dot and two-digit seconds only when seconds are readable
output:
10.12
